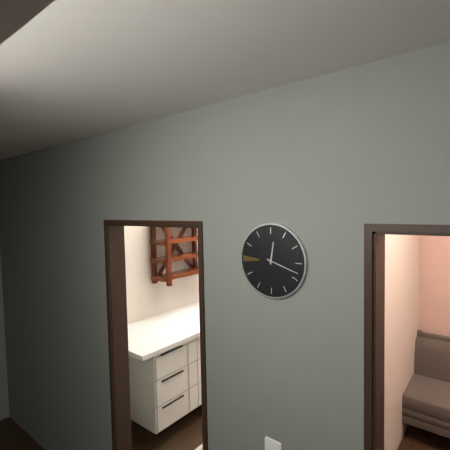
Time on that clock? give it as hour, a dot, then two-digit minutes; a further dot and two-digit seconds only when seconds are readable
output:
12.18
